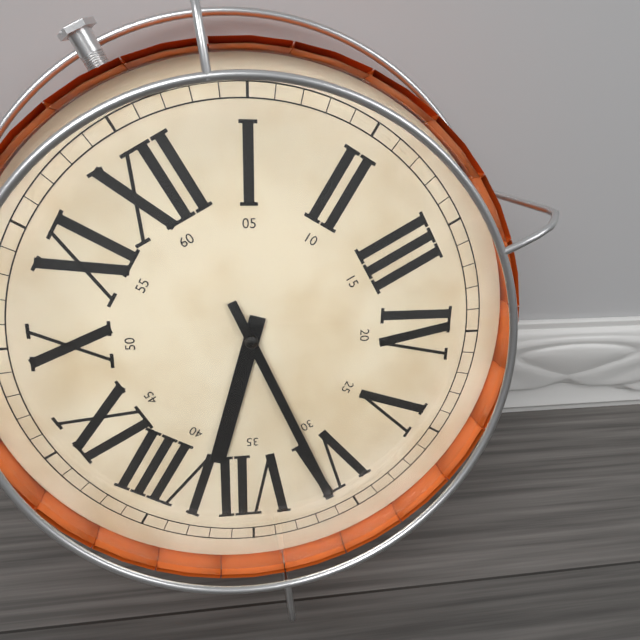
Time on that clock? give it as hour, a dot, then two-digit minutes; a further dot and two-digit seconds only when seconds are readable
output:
7.31
